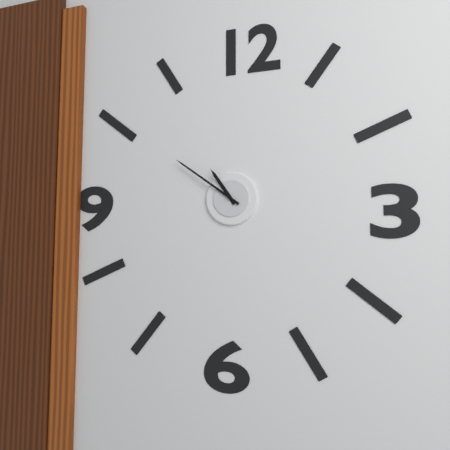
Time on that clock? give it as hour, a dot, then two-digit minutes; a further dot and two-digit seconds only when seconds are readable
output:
10.51
